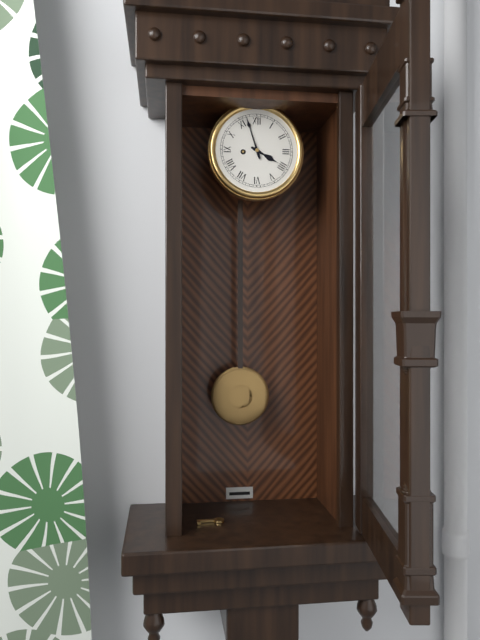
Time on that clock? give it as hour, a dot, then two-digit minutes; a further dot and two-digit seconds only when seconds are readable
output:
3.57
